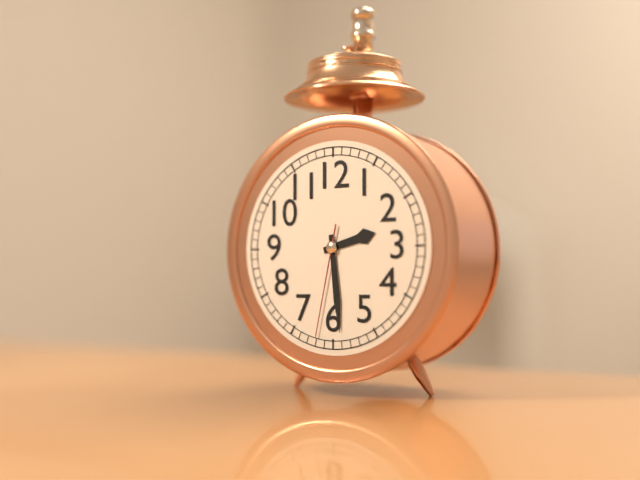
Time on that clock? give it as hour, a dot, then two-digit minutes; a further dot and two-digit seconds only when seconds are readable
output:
2.29.32
